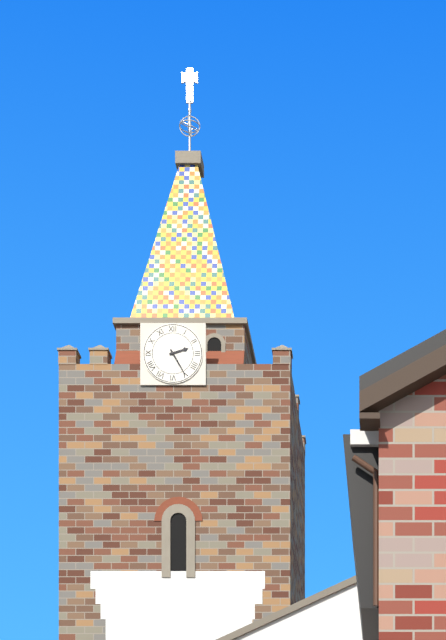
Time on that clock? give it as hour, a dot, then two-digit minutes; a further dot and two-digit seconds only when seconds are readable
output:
2.25
